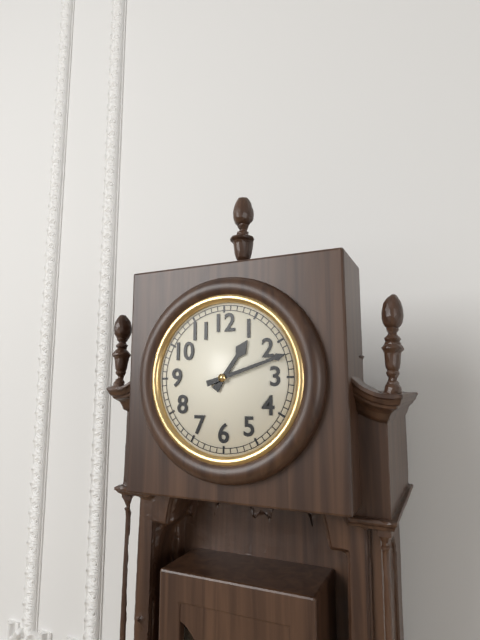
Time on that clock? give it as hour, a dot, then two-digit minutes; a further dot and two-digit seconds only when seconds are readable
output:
1.12
